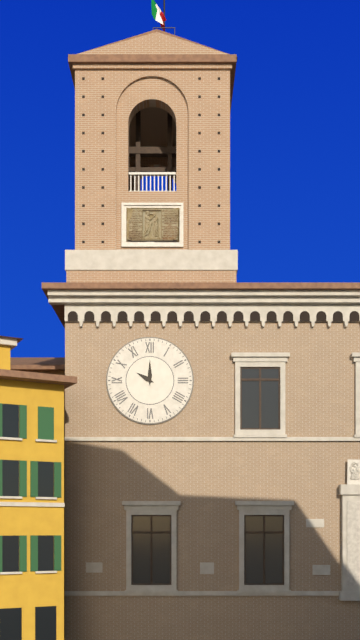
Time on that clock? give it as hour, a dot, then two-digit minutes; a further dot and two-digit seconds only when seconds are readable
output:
10.00
